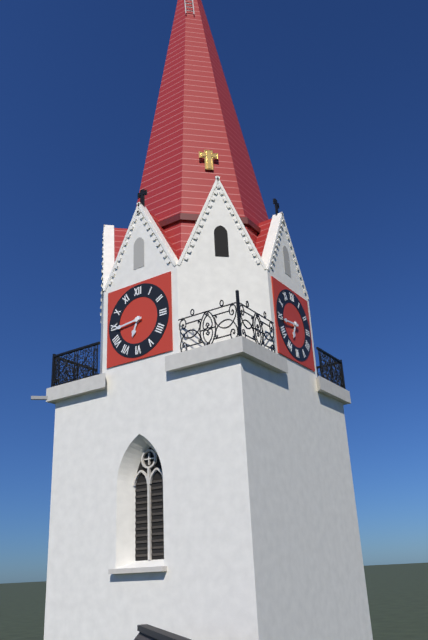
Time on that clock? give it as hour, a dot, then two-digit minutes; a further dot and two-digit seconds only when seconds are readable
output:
6.44
